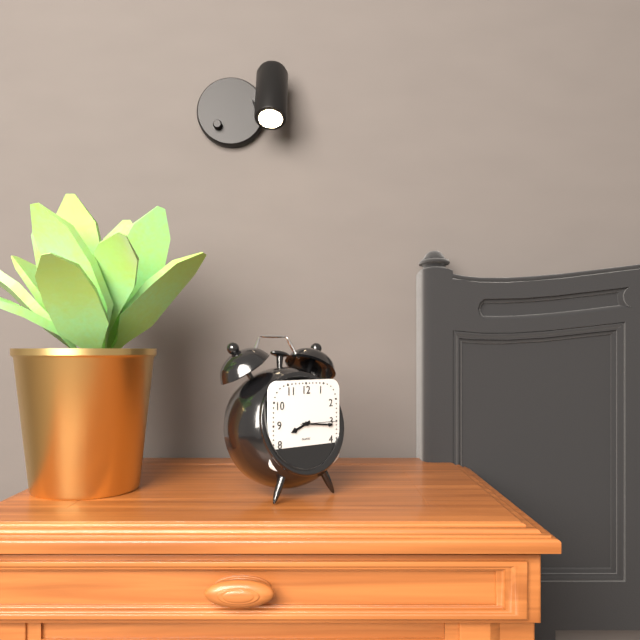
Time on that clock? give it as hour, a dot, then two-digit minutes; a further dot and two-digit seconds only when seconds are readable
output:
8.16
